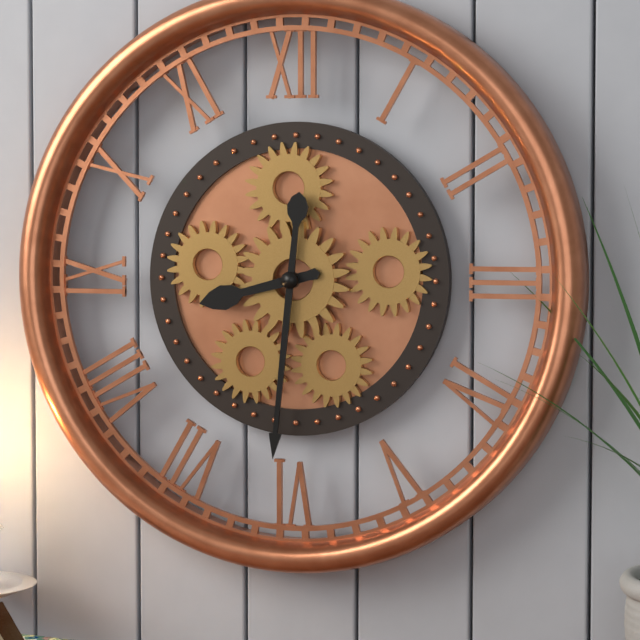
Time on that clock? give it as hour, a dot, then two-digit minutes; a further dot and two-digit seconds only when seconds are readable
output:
8.31
